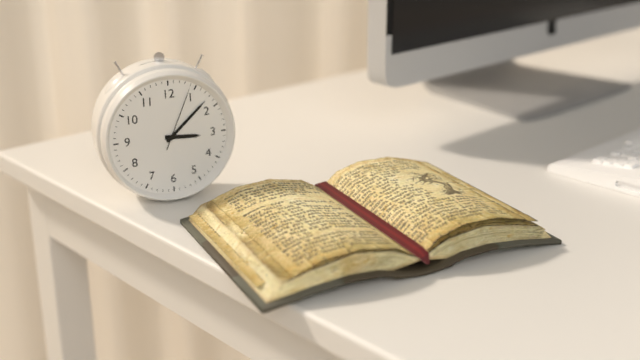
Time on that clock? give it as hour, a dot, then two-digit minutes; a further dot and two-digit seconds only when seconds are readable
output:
3.08.04
